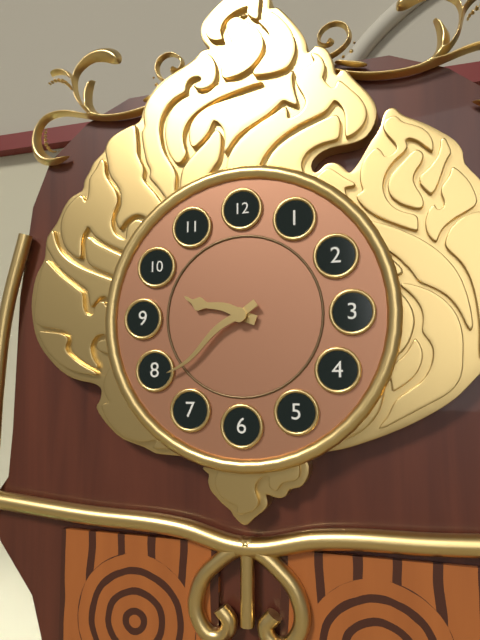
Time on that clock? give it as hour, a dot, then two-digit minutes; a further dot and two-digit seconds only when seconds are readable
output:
9.39
